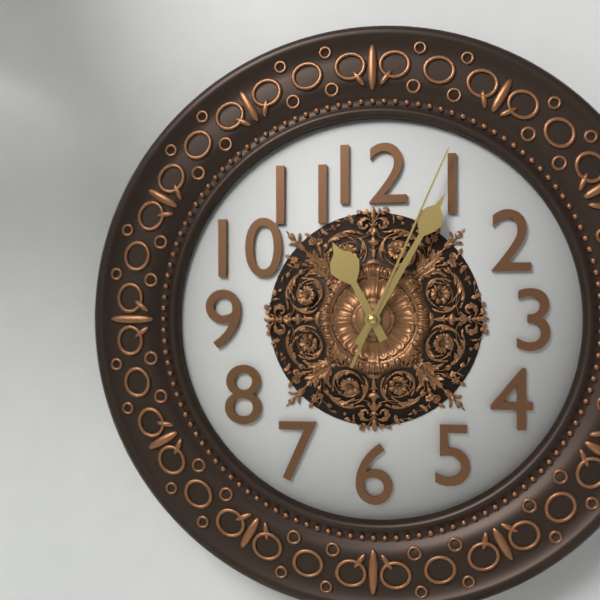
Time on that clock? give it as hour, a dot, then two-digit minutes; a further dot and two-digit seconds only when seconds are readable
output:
11.05.04
